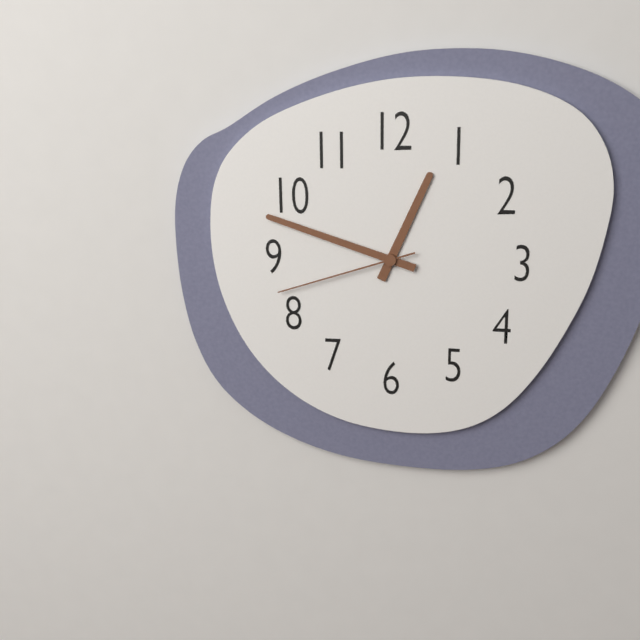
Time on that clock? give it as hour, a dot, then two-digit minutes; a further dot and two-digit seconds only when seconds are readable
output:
12.48.42
